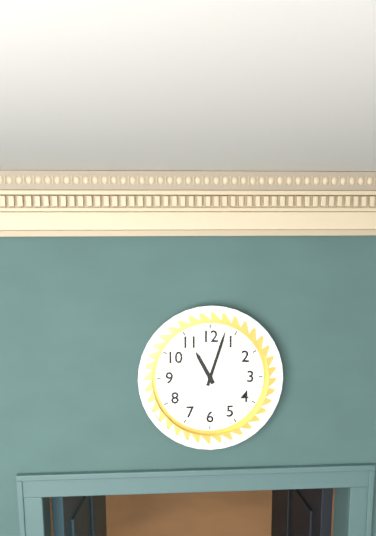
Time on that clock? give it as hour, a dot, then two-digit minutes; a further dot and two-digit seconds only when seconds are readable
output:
11.03
